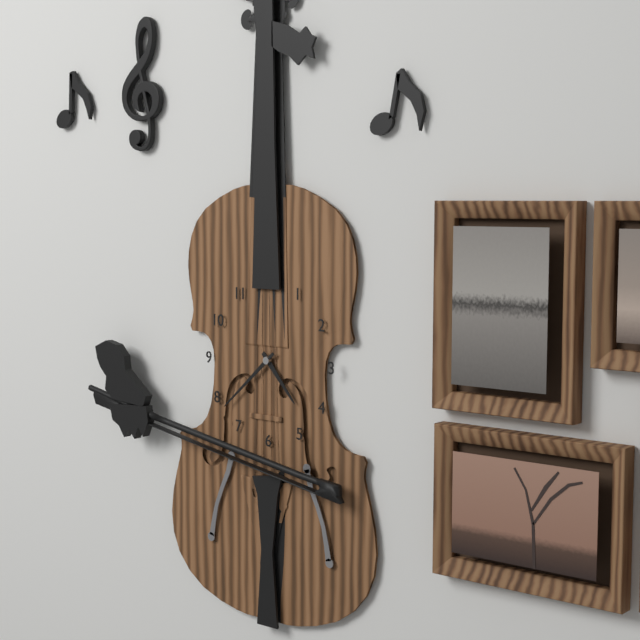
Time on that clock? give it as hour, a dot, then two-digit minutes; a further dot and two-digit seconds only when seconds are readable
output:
4.38
